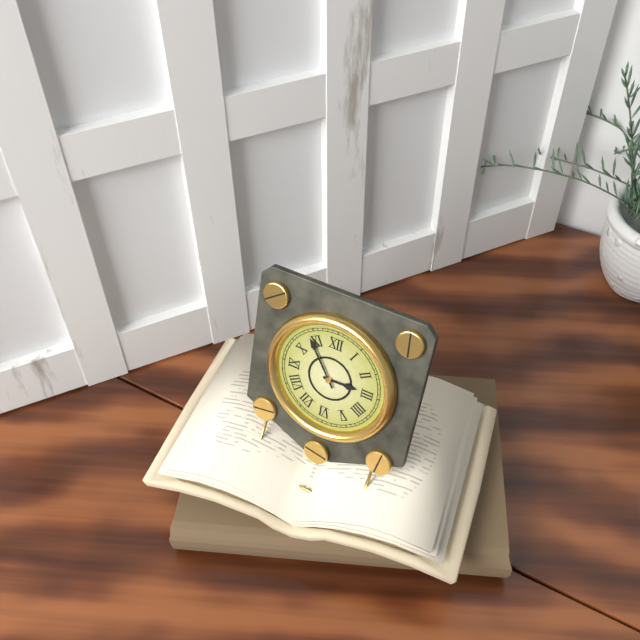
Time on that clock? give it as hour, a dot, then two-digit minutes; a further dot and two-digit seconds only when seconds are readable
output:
2.54
